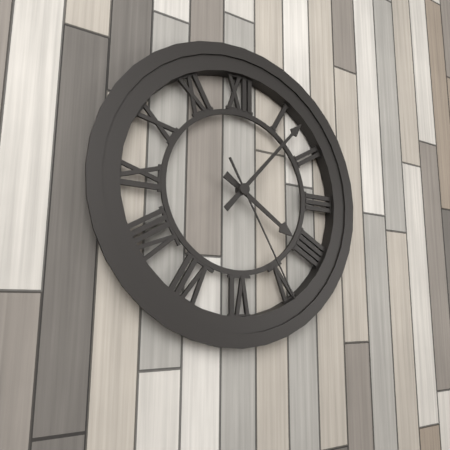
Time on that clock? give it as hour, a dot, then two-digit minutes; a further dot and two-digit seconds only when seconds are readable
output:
4.07.25
